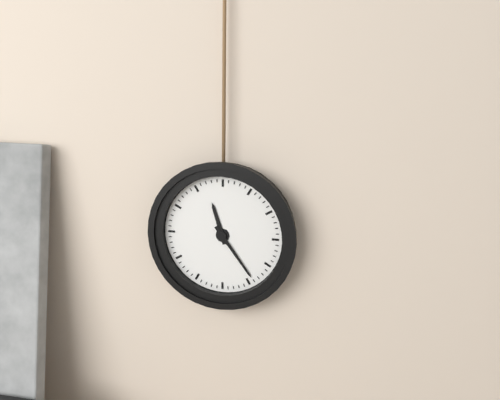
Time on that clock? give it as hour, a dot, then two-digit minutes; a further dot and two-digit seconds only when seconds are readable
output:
11.24
